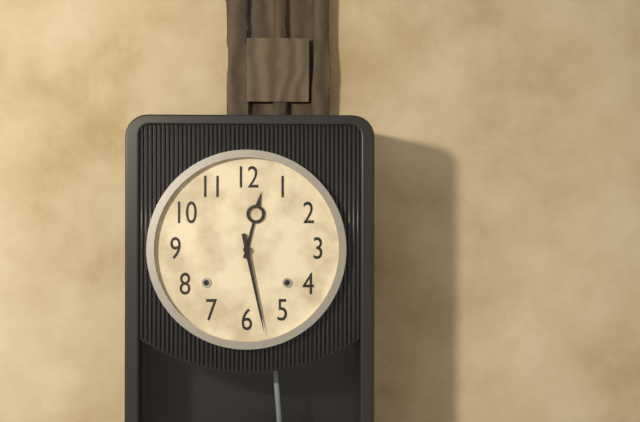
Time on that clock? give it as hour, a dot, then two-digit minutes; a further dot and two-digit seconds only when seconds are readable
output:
12.28
